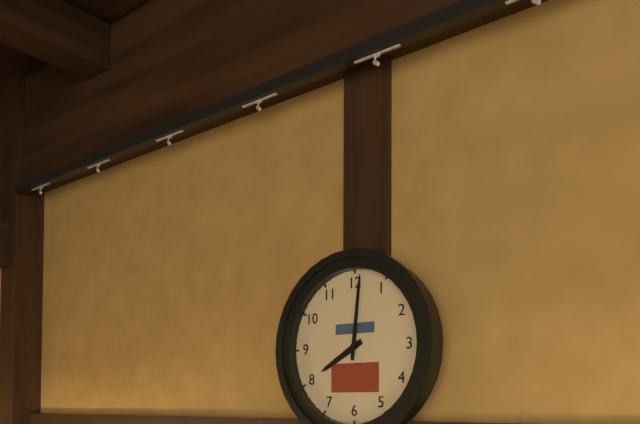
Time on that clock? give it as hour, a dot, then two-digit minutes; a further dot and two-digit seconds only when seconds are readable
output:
8.01
